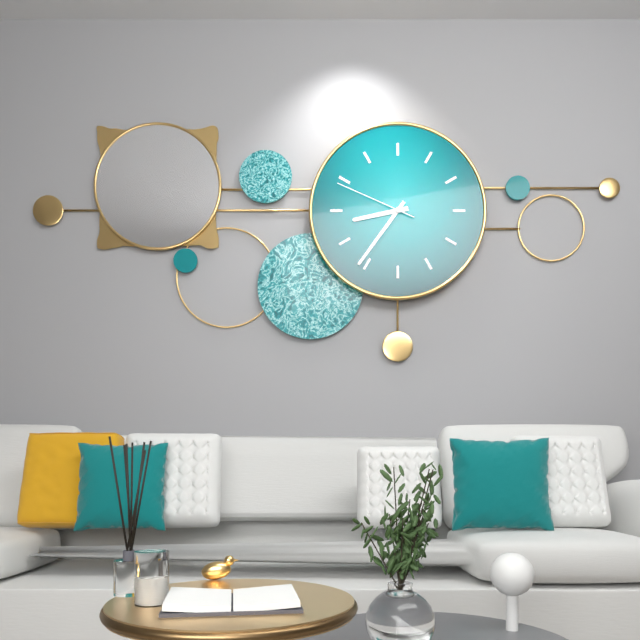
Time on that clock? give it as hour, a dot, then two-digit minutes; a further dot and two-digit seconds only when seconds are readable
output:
8.36.49
